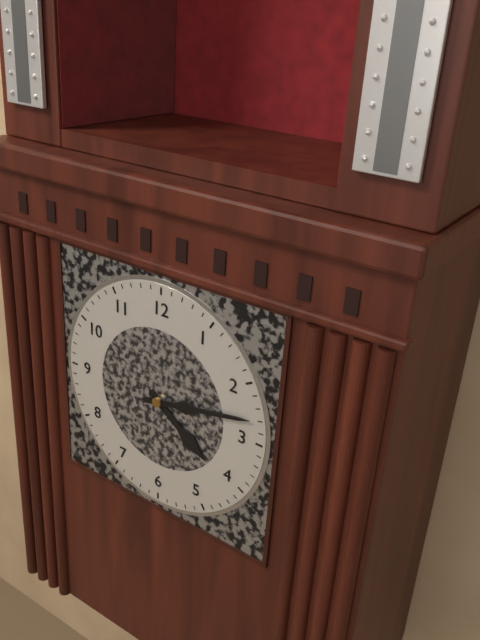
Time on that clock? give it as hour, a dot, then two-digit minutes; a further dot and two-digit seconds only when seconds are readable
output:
4.13
